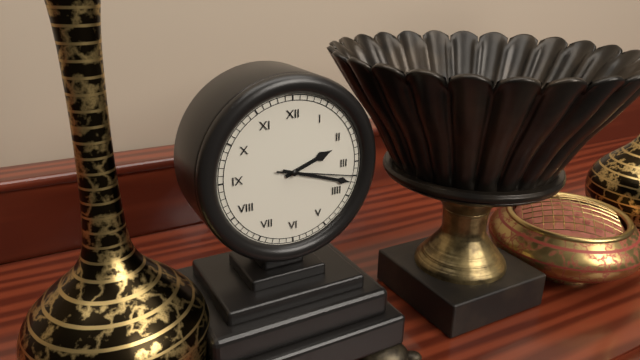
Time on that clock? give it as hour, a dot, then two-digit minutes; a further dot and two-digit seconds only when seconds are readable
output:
2.18.17
